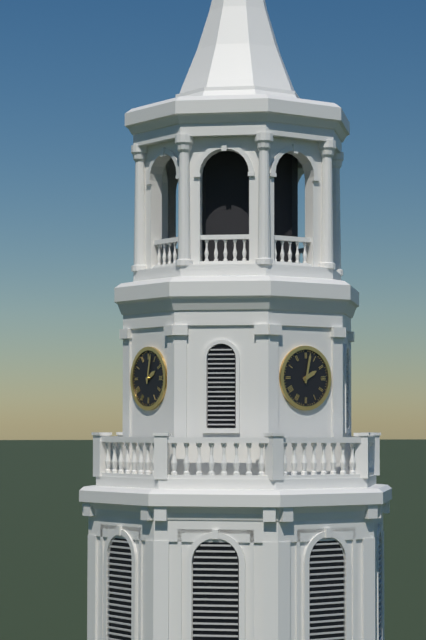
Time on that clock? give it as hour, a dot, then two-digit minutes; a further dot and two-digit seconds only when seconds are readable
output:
2.02
